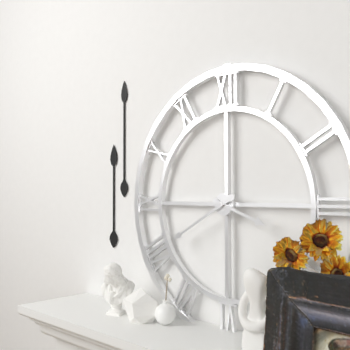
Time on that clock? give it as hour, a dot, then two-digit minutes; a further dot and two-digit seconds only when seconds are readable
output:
3.40
